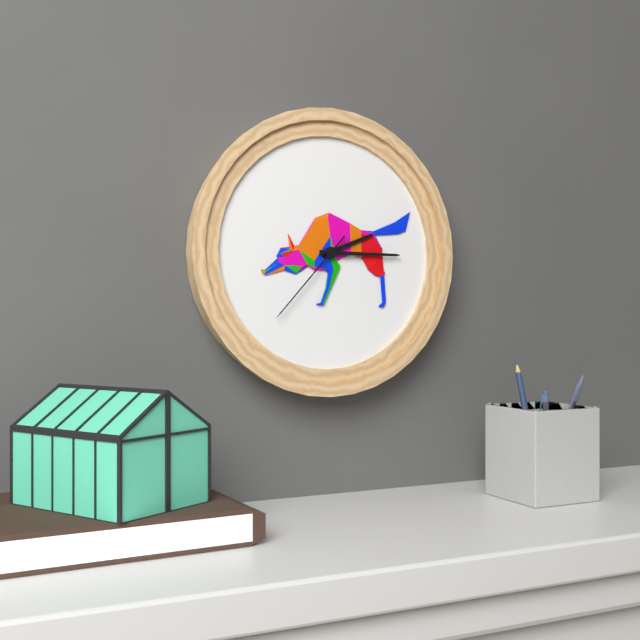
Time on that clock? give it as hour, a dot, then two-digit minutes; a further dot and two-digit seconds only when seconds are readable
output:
2.15.37
